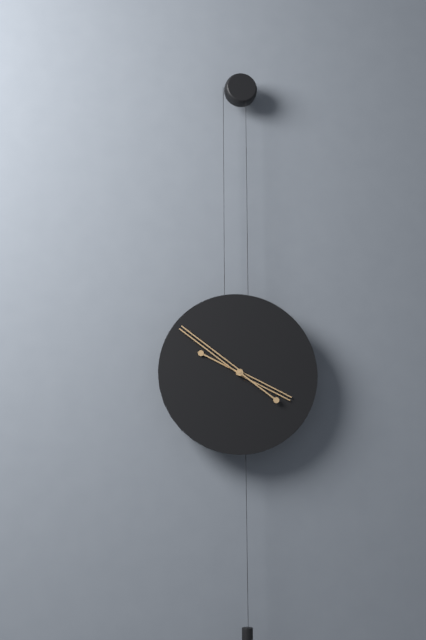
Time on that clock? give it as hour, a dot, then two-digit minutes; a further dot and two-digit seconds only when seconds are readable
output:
3.51
